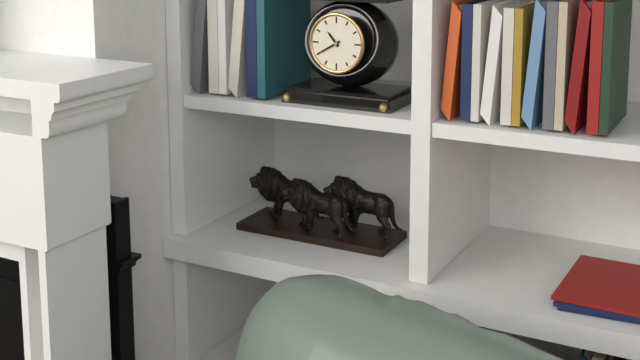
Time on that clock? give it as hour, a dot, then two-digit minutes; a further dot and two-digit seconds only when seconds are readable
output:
10.40
